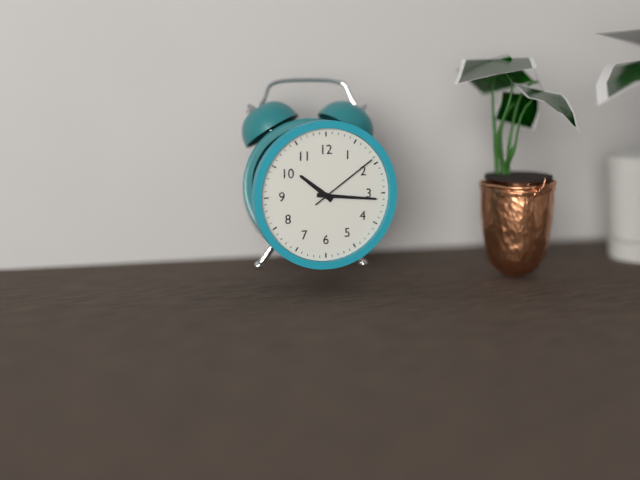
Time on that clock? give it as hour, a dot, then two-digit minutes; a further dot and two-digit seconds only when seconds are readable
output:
10.16.09
